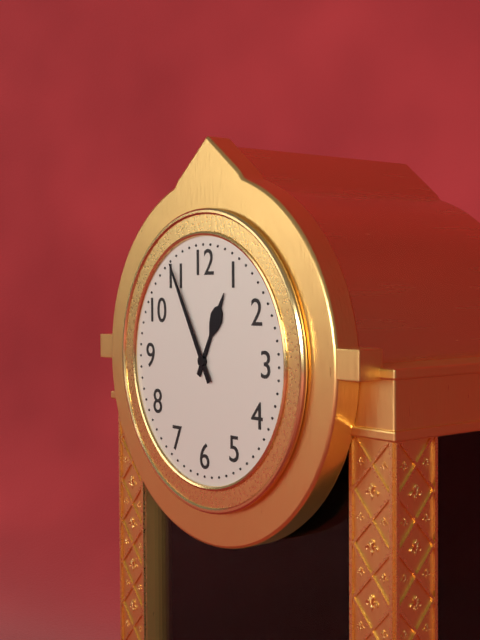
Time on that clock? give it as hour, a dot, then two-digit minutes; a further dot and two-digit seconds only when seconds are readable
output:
12.55
